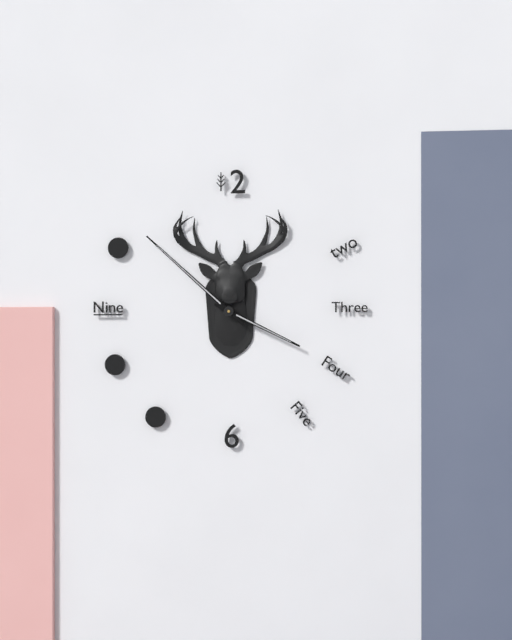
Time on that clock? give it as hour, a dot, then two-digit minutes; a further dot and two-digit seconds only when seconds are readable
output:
3.52
